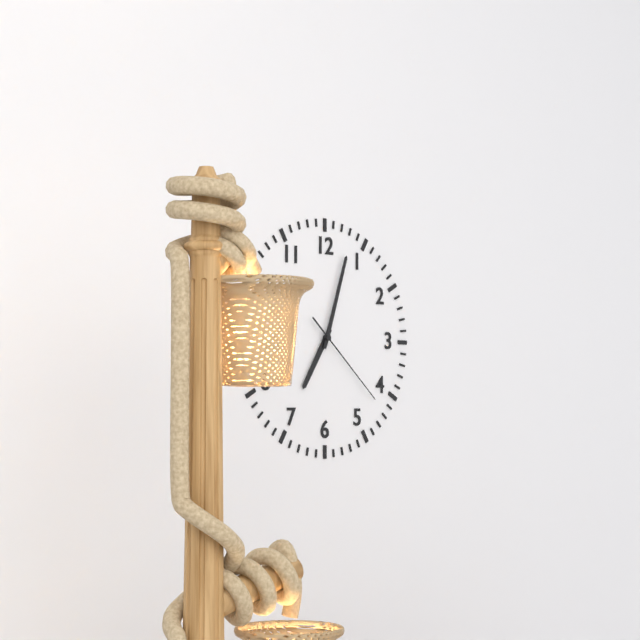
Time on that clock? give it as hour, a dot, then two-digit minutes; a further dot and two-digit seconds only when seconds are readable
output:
7.03.22
